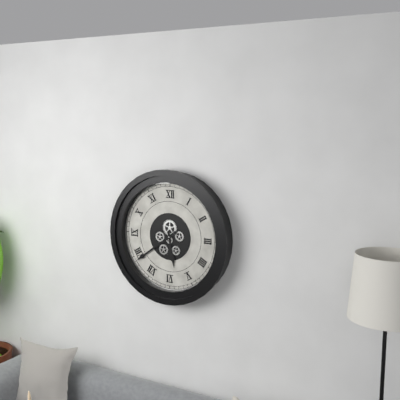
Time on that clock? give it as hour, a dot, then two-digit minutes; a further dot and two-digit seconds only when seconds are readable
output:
5.39
